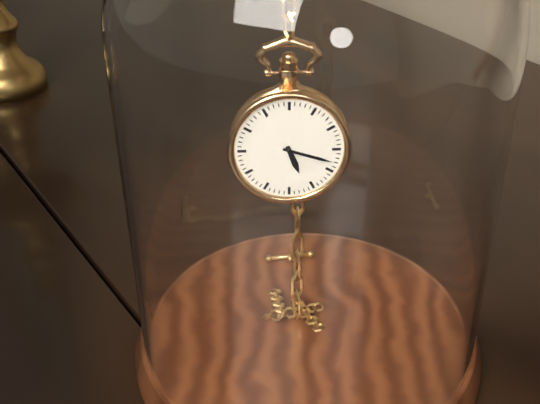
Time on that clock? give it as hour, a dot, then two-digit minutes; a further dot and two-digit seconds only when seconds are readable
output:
5.18
